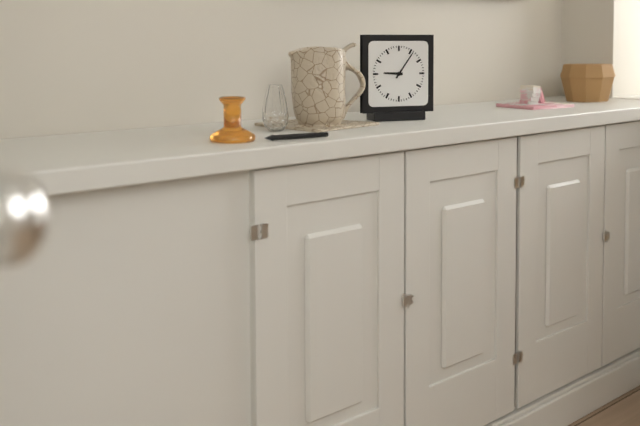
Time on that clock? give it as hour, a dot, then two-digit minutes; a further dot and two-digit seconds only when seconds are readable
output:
9.06
